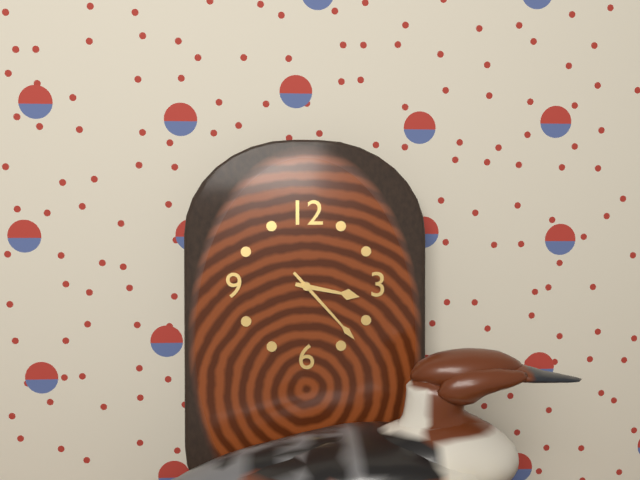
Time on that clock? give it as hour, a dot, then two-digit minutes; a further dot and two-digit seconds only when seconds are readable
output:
3.23
